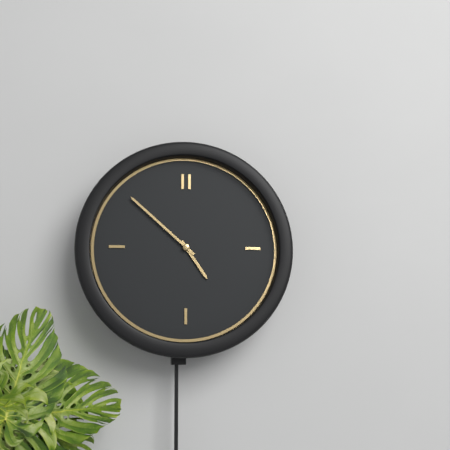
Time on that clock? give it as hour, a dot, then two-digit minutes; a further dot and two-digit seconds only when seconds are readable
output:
4.52
